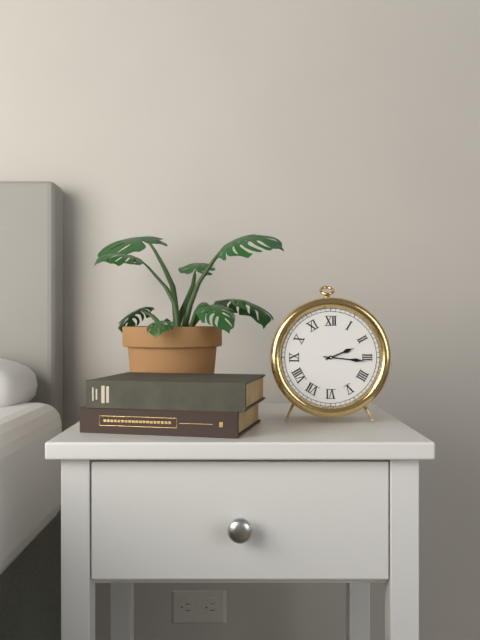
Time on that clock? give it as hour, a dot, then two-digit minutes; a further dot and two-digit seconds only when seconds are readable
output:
2.16
